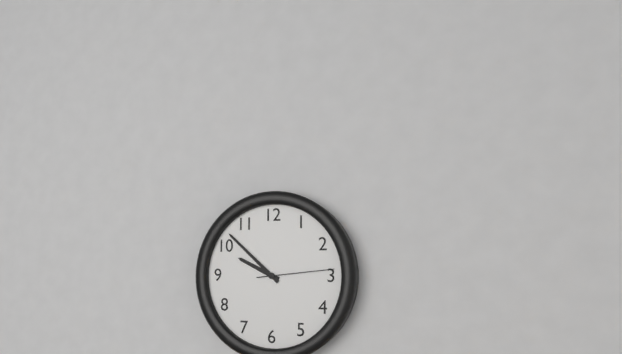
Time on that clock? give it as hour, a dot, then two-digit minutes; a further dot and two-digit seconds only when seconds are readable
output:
9.52.14
